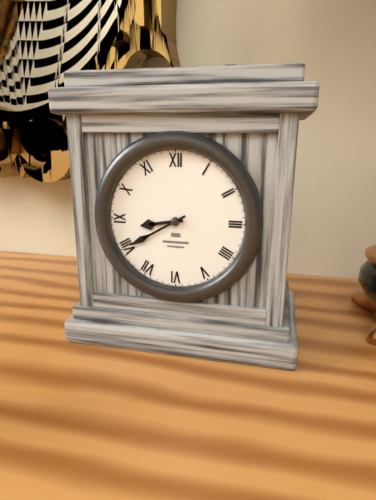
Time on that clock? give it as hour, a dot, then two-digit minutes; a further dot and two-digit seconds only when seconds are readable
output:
8.40
